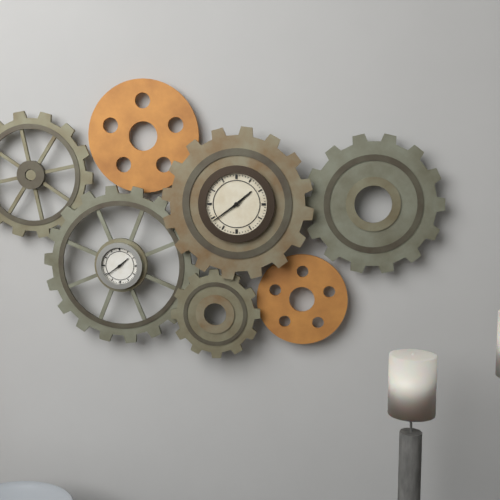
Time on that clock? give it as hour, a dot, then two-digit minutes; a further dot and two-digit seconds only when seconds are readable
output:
1.39
